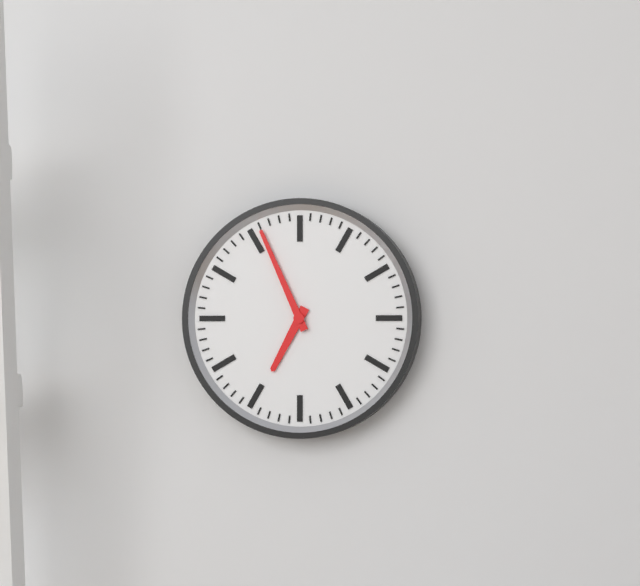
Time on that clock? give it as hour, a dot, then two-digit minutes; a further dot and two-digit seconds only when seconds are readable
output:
6.56
